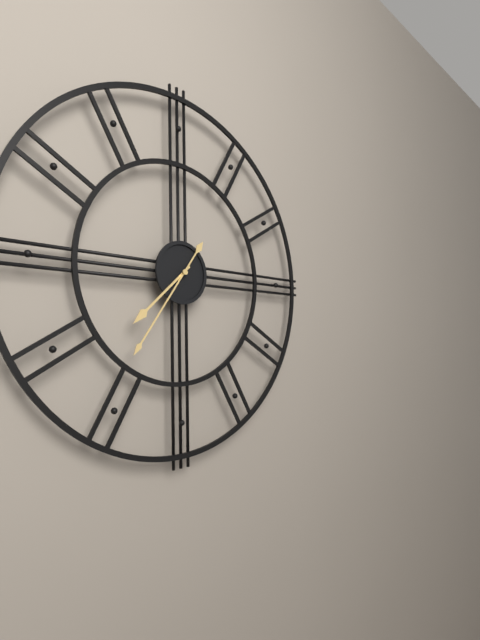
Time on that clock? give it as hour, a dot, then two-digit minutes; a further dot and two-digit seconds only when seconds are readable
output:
7.36
